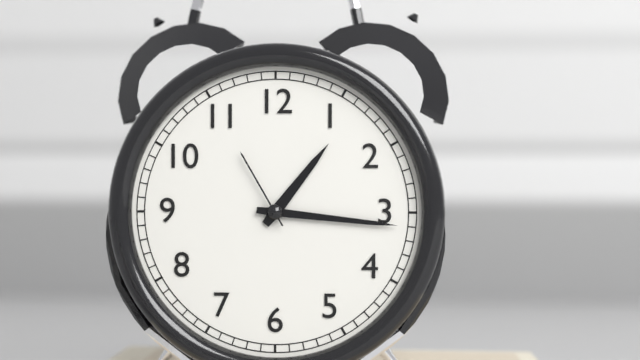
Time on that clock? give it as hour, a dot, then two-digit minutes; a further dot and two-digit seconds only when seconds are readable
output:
1.16.55
